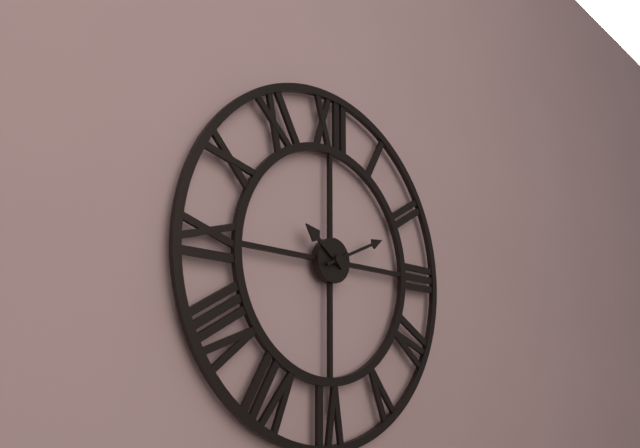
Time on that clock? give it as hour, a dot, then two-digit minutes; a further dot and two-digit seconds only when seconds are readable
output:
10.11
